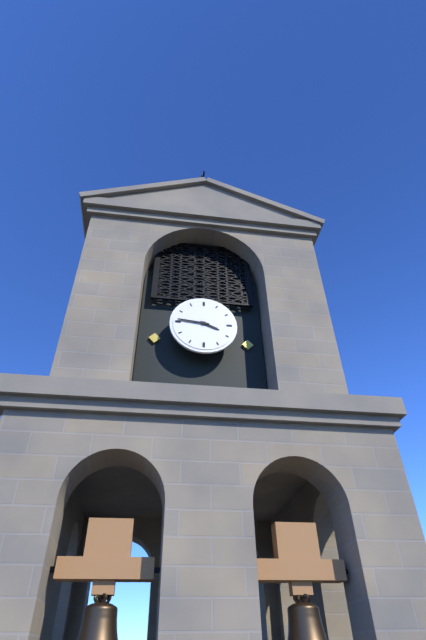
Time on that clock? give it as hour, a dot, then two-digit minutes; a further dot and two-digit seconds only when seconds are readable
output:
3.46
